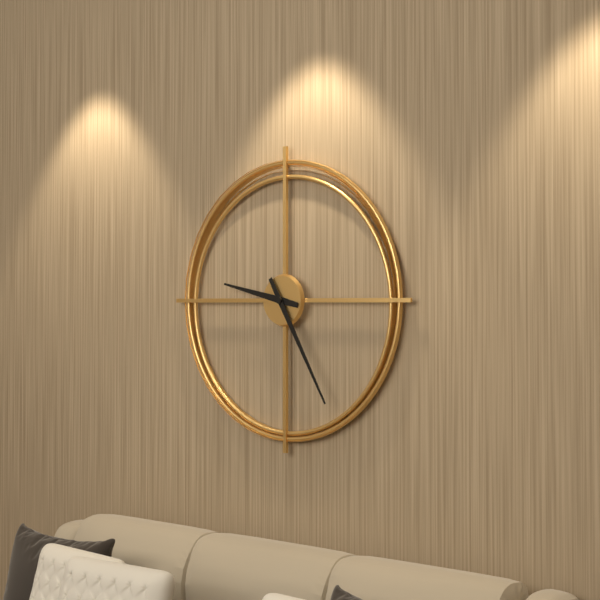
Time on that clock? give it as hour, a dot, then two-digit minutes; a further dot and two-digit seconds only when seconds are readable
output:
9.25
